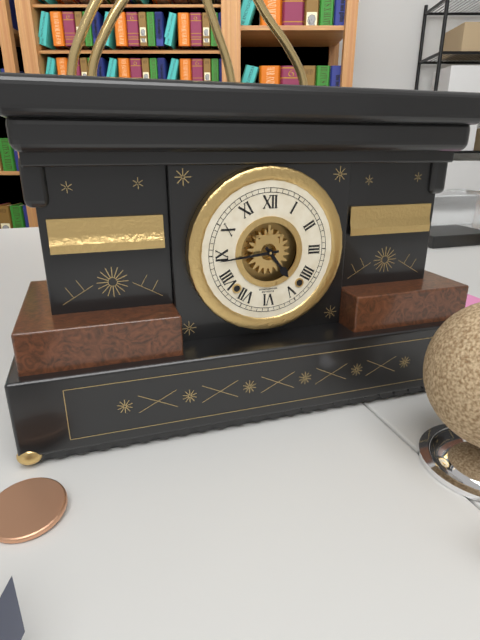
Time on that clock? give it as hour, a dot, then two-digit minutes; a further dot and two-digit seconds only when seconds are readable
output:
4.44
